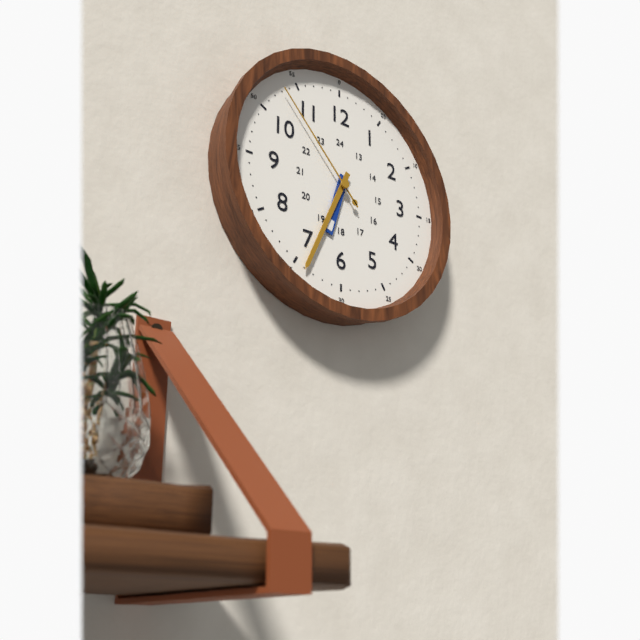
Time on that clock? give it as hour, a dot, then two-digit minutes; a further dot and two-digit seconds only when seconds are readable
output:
6.34.53
